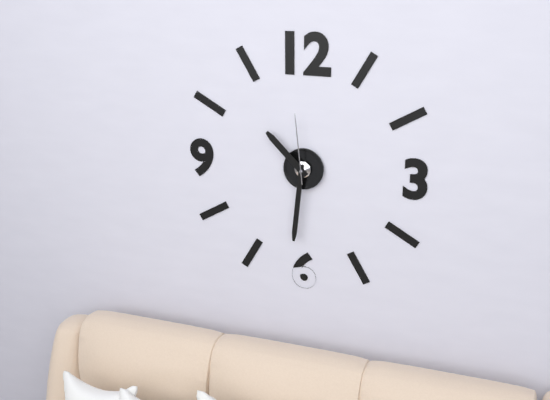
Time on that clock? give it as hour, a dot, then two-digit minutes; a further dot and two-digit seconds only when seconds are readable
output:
10.31.59
